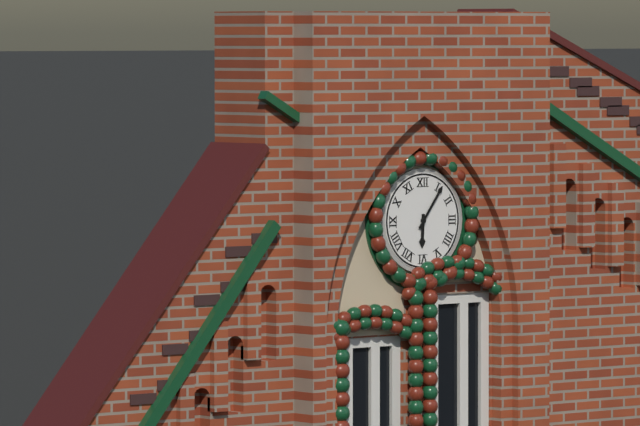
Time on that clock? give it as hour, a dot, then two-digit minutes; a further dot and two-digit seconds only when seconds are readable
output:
6.06
